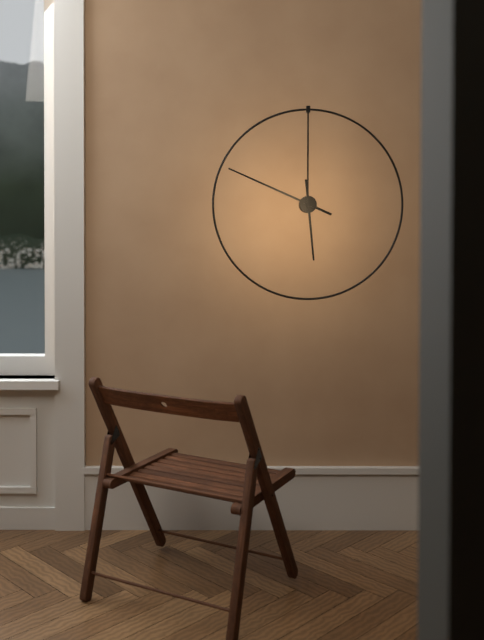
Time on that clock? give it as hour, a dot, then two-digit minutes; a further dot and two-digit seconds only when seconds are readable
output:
5.49
